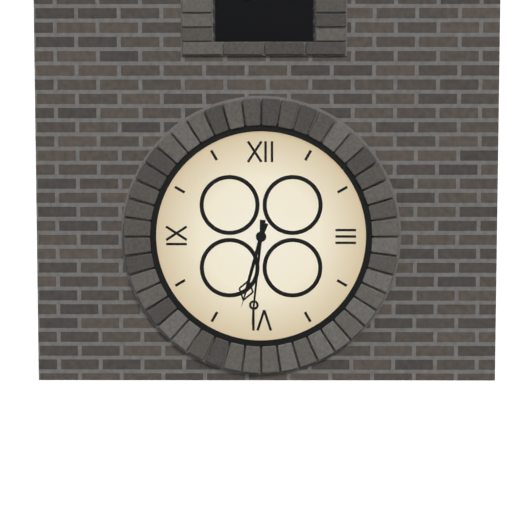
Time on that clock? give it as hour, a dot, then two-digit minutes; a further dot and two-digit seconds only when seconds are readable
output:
6.31
